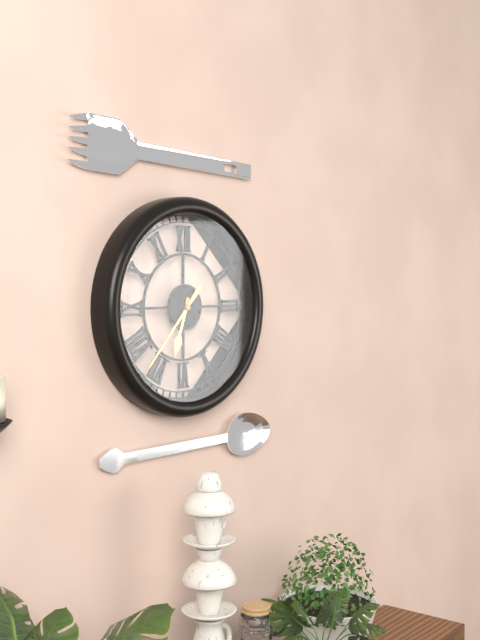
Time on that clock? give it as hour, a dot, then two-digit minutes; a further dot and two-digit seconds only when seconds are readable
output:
6.37
